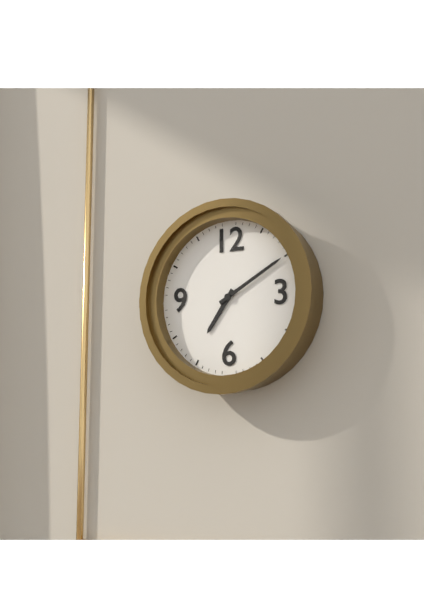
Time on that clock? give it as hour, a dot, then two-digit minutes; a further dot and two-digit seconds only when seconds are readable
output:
7.10
